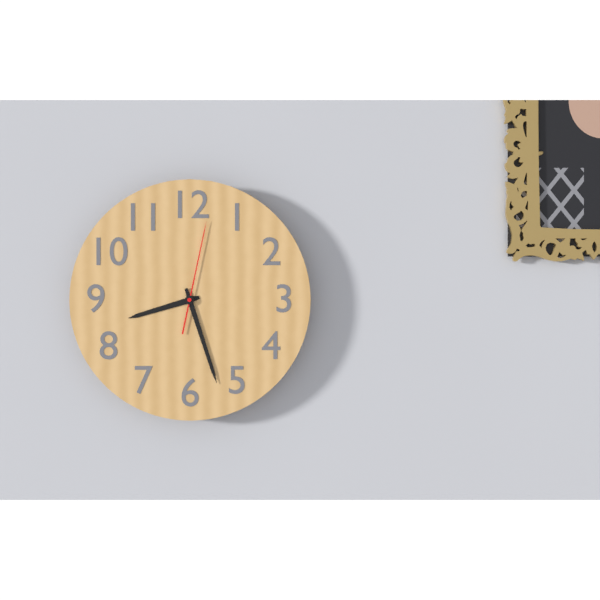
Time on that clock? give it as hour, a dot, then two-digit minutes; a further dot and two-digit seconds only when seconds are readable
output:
8.27.02
